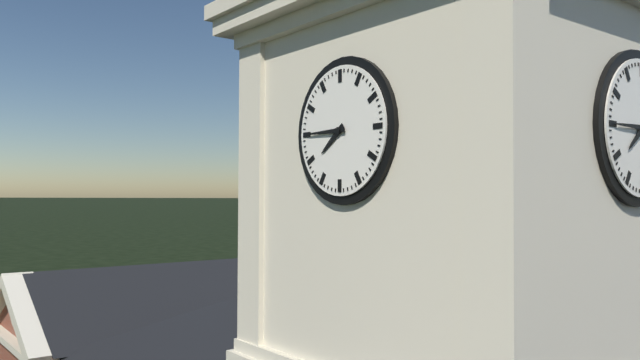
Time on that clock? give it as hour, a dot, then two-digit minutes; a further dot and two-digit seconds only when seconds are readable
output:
7.45
